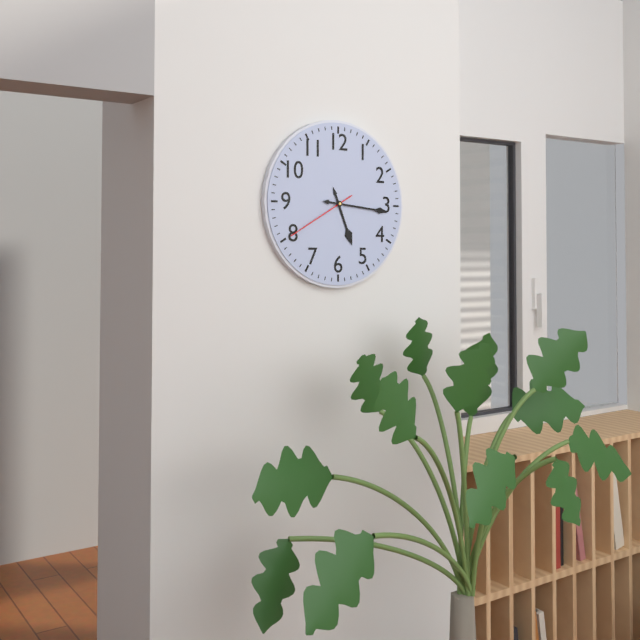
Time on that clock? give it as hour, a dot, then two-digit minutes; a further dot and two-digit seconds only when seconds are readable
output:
5.16.40
